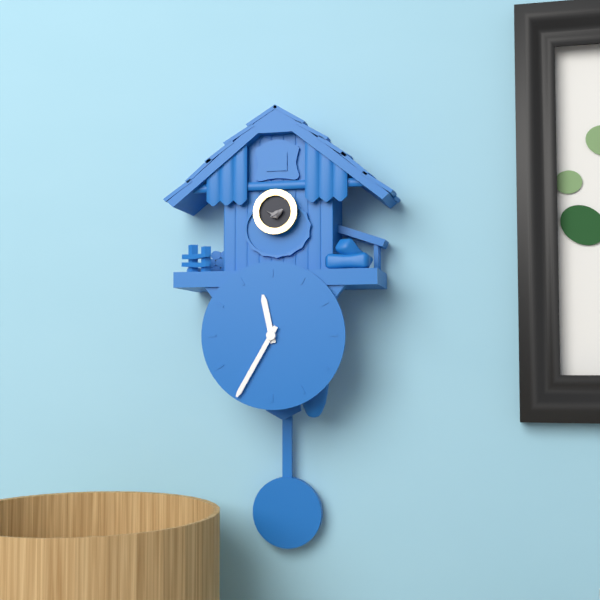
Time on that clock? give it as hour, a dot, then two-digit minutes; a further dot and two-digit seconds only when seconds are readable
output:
11.35
